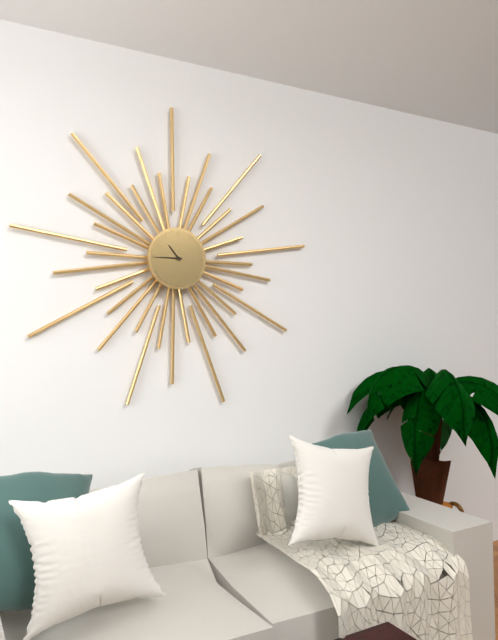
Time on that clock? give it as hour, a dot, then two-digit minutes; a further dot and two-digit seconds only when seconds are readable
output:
10.45
